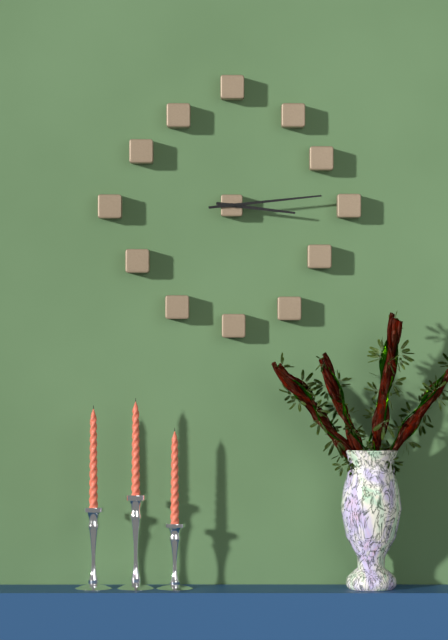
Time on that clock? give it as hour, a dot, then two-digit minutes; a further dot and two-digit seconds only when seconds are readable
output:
3.14
